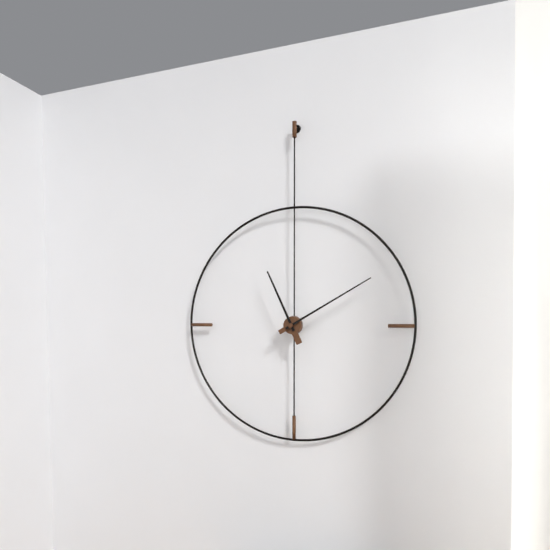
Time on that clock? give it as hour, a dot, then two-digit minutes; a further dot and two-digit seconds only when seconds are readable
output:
11.10
